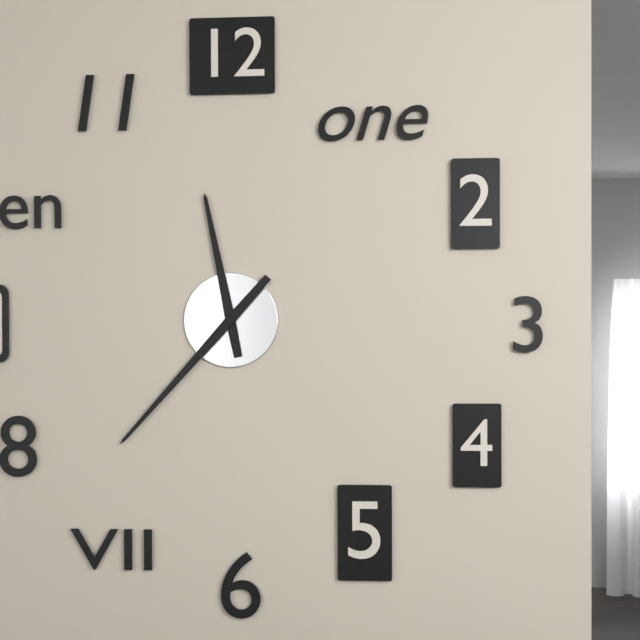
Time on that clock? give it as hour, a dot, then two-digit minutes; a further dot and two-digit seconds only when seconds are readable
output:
11.37
